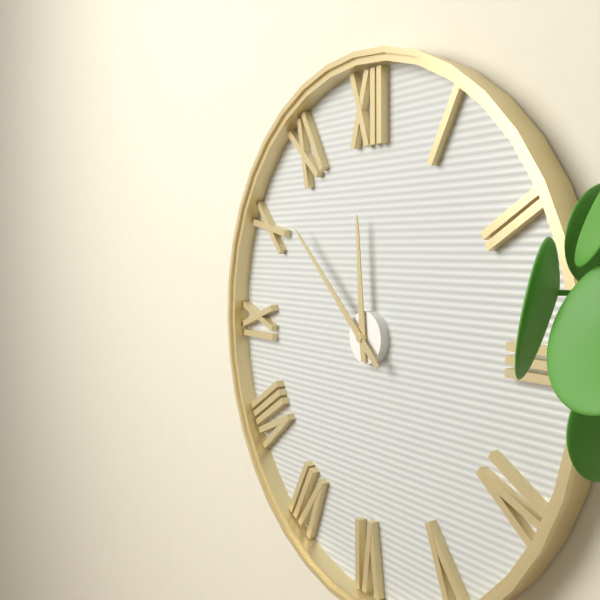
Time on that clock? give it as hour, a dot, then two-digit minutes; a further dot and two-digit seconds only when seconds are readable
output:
11.52
